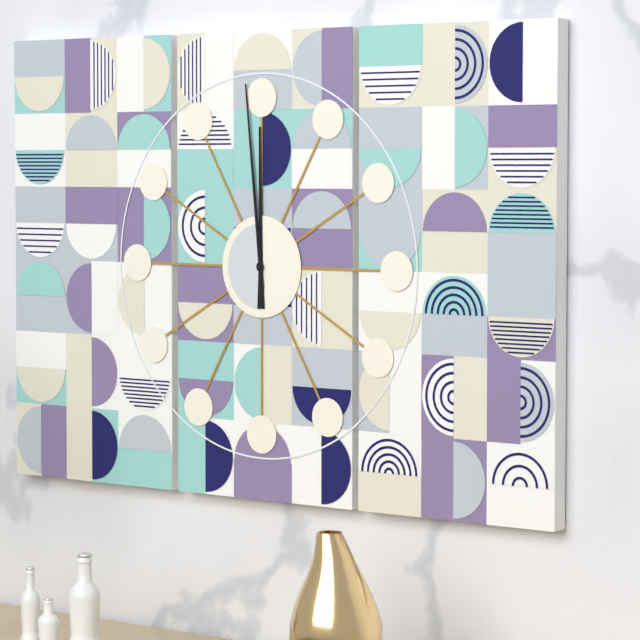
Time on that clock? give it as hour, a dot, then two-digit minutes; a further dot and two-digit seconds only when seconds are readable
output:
11.59
